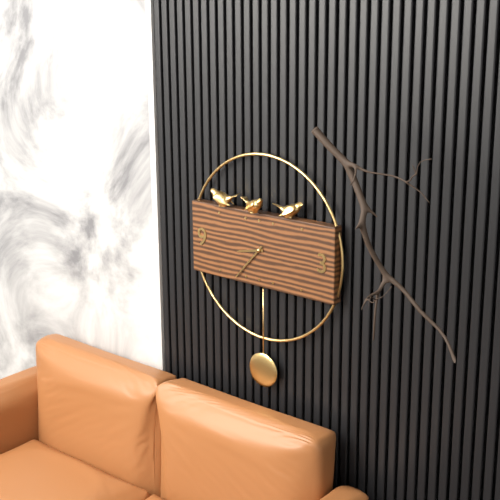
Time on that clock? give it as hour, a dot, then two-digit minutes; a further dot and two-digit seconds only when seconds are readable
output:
8.37
